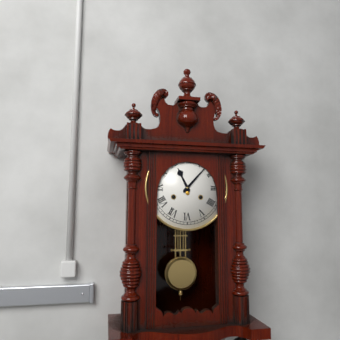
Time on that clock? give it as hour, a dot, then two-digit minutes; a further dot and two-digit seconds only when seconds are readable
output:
11.07
